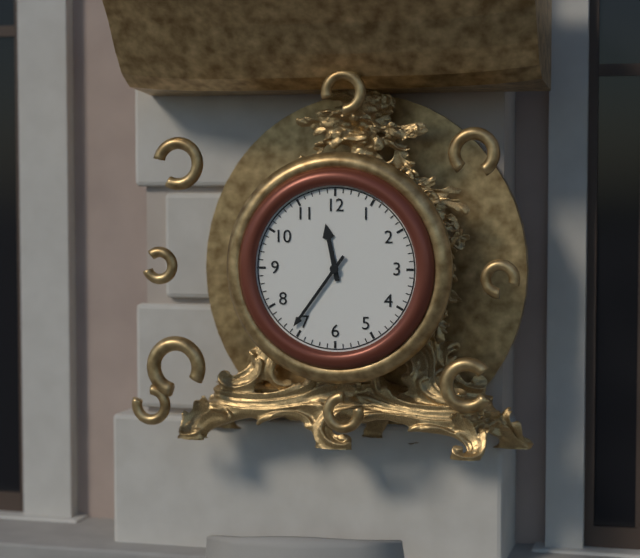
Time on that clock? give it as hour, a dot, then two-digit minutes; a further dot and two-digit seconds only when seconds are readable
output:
11.36
